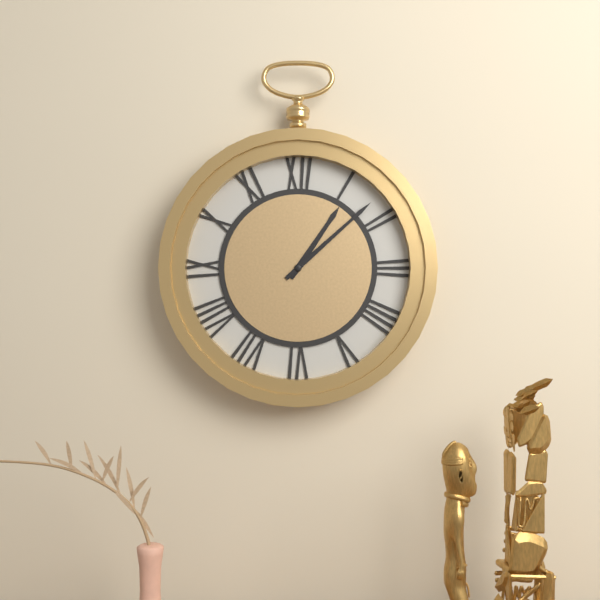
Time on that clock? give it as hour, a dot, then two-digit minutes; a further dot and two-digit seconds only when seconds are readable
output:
1.08
